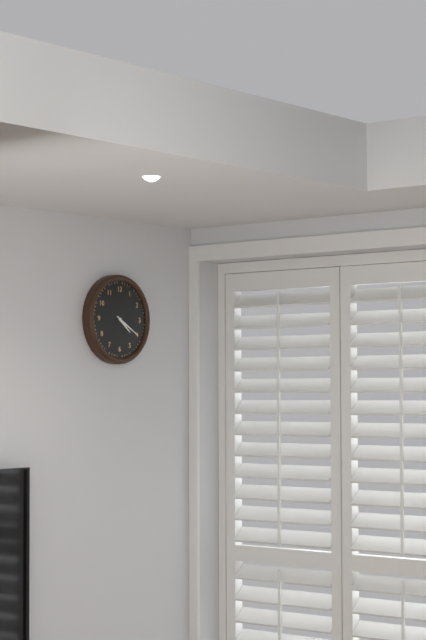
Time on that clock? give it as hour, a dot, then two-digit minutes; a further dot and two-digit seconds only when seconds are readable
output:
4.20
